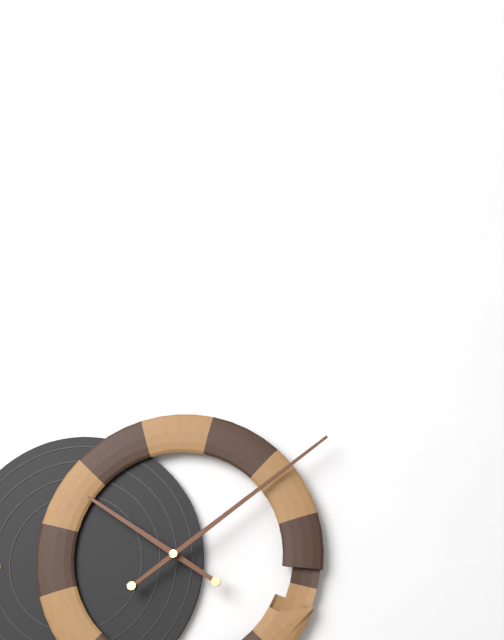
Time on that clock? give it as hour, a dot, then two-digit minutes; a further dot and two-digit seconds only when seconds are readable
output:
10.09
